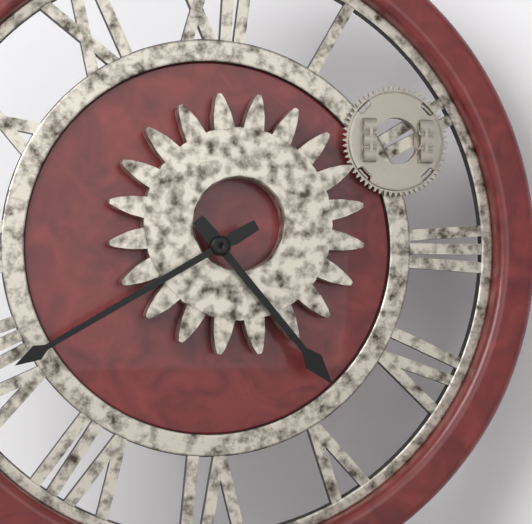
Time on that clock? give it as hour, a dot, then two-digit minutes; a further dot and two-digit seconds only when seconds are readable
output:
4.40
